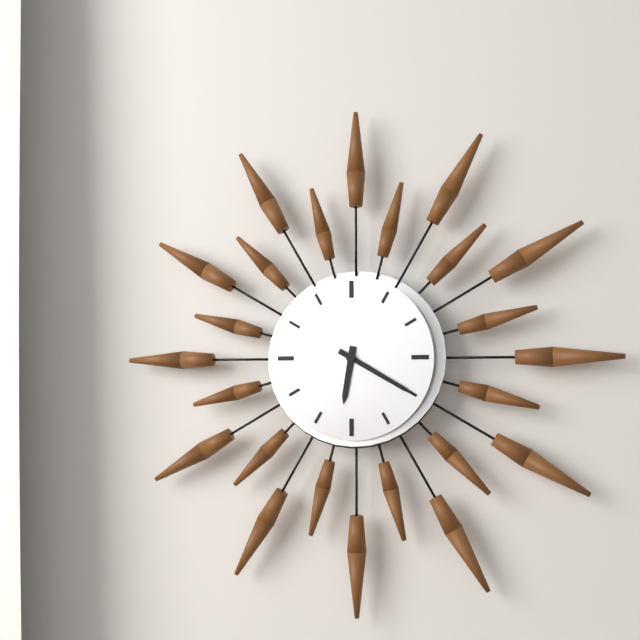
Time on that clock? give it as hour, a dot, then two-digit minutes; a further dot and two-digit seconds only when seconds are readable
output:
6.20
